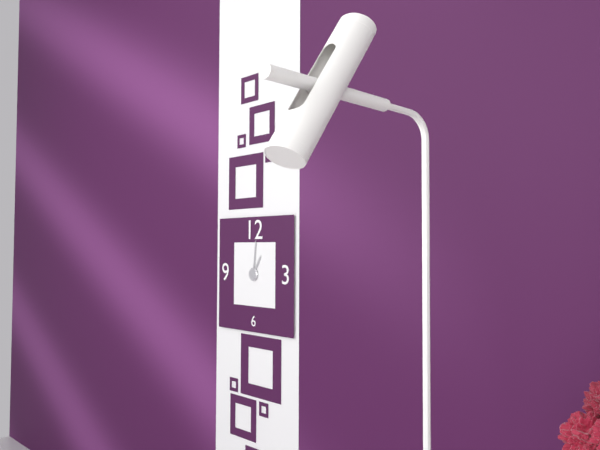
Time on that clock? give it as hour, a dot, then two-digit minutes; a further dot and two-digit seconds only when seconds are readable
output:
1.01
